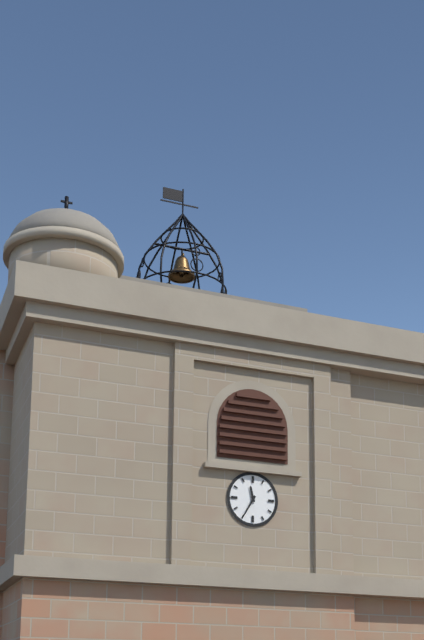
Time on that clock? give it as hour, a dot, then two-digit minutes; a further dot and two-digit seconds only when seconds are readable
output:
11.35
